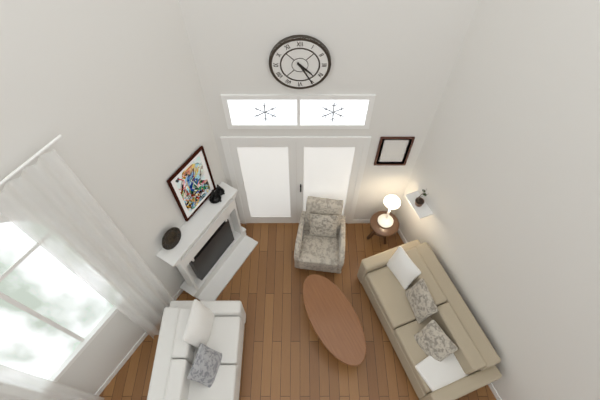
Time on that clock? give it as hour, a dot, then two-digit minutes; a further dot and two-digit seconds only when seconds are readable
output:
4.25
